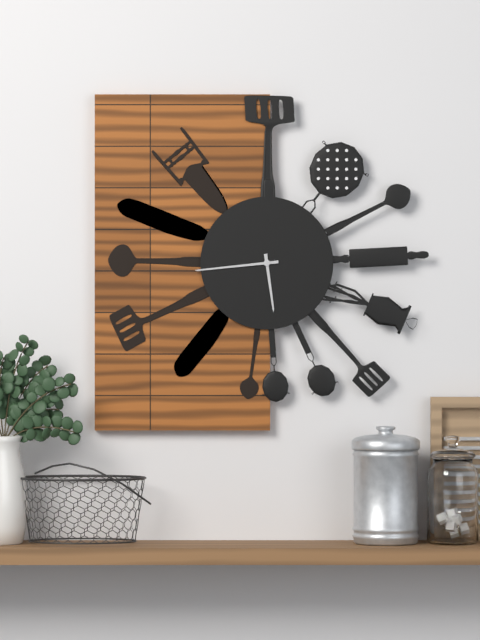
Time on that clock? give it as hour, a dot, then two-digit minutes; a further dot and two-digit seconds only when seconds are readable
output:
5.44
